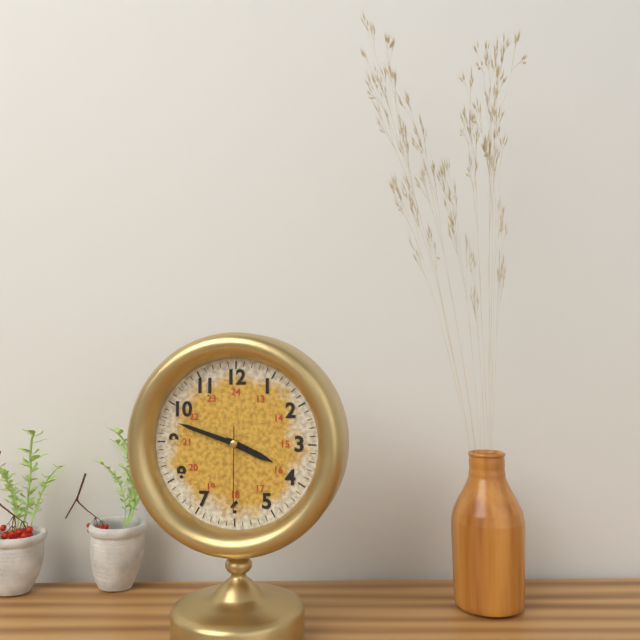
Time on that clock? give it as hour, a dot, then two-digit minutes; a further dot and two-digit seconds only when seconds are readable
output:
3.48.30
